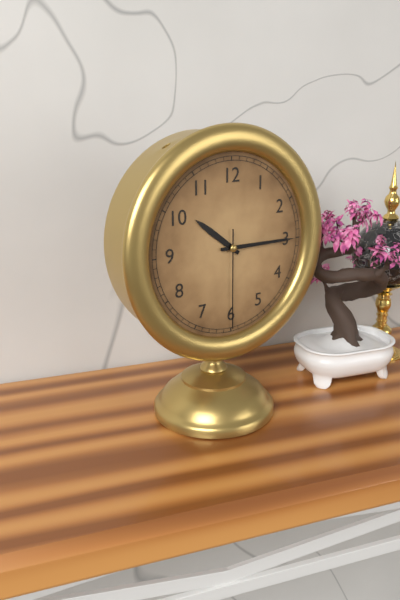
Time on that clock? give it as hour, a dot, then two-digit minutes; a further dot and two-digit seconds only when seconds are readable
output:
10.15.30
